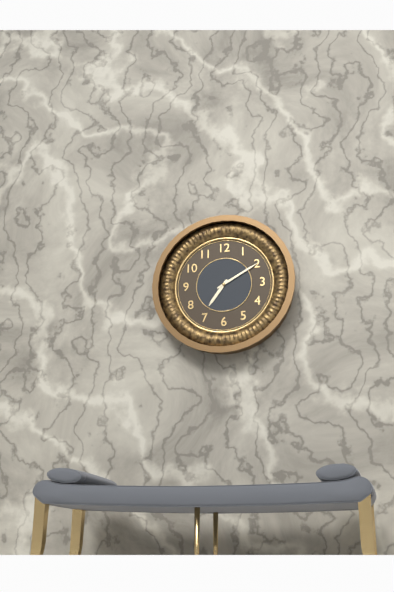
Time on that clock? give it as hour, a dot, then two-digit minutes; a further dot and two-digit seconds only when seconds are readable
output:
7.10
